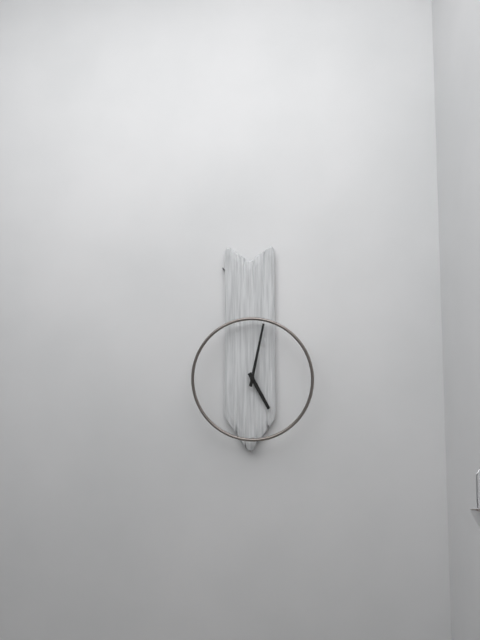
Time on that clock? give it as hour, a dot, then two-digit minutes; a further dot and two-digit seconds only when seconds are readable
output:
5.02
